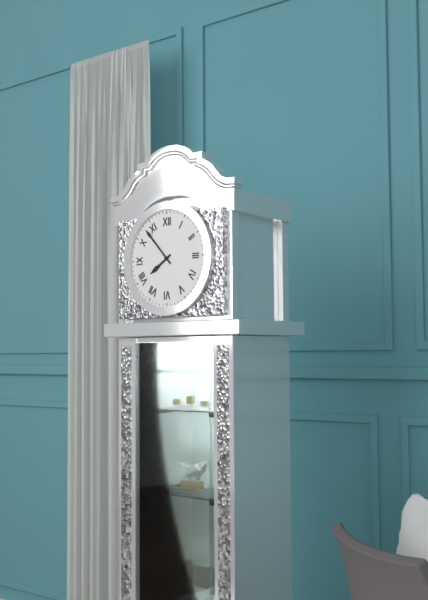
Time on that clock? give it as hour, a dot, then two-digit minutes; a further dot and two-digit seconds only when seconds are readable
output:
7.53
